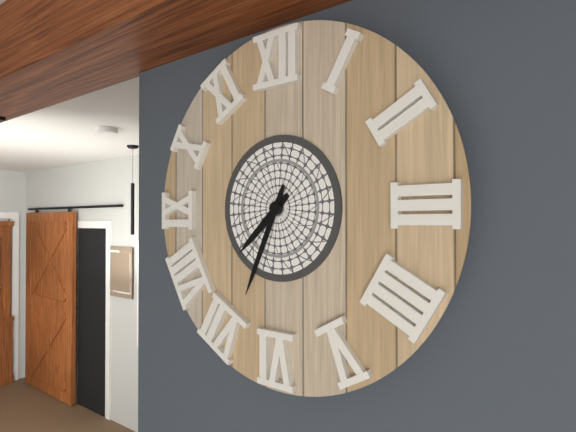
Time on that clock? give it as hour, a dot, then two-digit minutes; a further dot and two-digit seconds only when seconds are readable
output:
7.34
